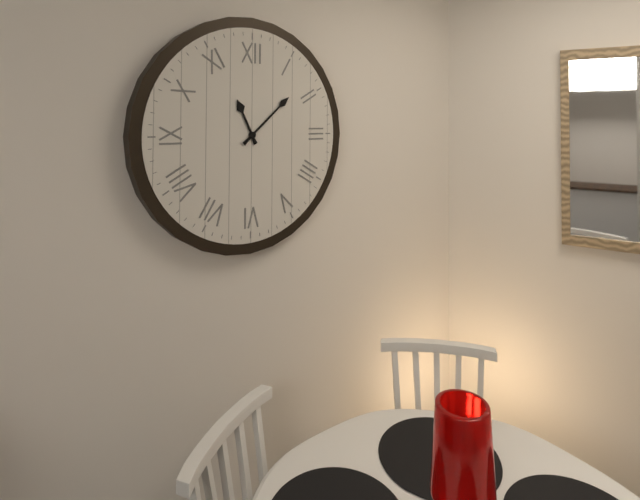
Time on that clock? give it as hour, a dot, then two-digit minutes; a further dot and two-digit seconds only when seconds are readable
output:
11.08
